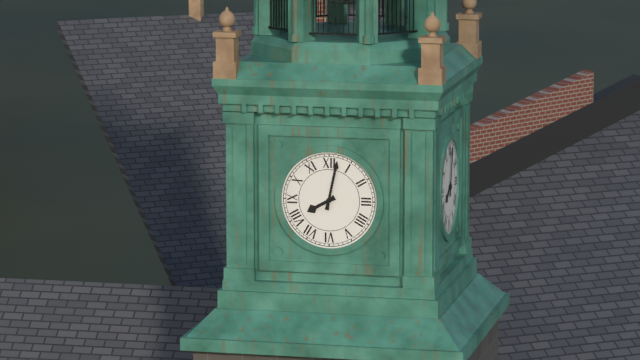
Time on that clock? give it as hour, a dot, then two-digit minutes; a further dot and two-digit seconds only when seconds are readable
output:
8.02
